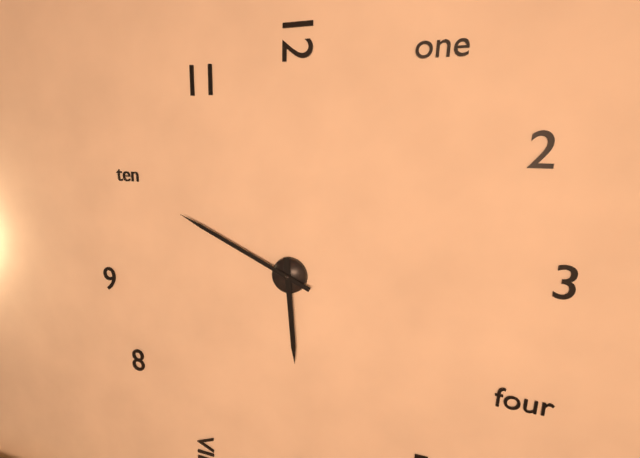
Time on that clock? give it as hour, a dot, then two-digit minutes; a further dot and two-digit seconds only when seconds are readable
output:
5.49
